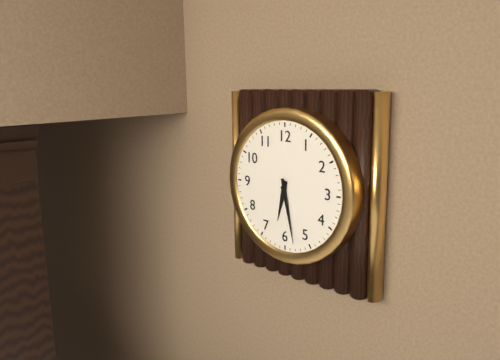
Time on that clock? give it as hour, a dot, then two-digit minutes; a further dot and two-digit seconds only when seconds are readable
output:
6.28
